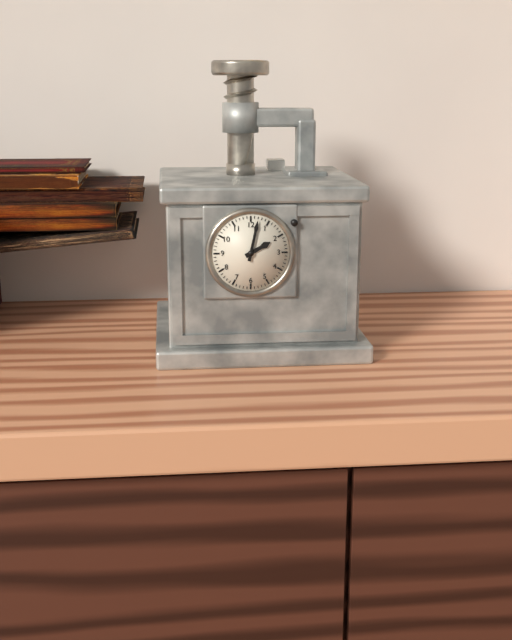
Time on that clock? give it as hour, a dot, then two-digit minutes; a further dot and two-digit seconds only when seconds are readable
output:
2.02
